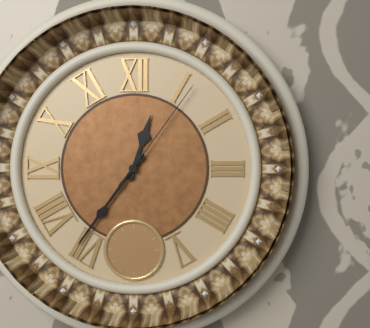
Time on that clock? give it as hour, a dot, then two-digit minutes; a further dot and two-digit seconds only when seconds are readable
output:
12.36.06
